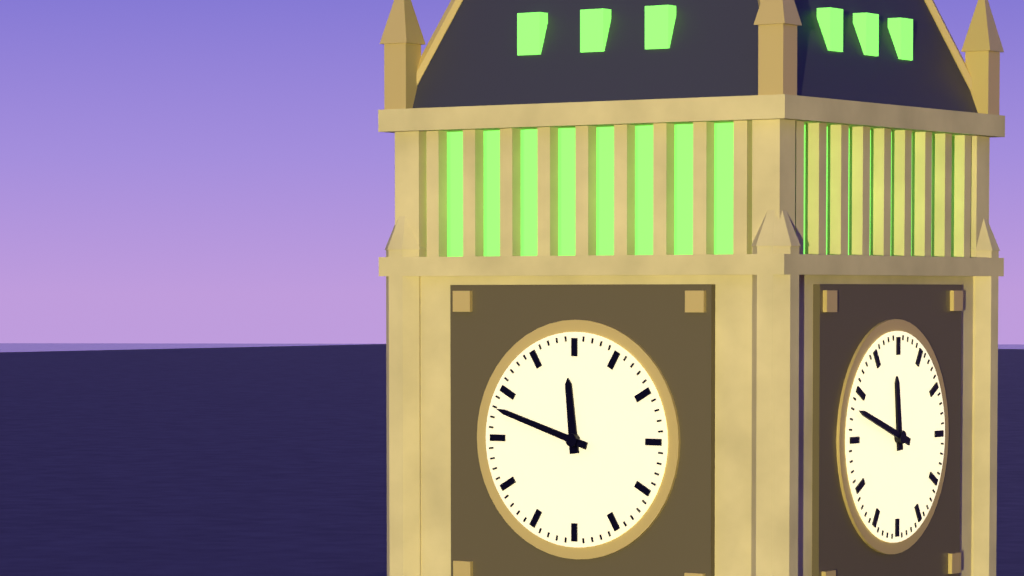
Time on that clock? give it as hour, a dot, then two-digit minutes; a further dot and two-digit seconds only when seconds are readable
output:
11.48
